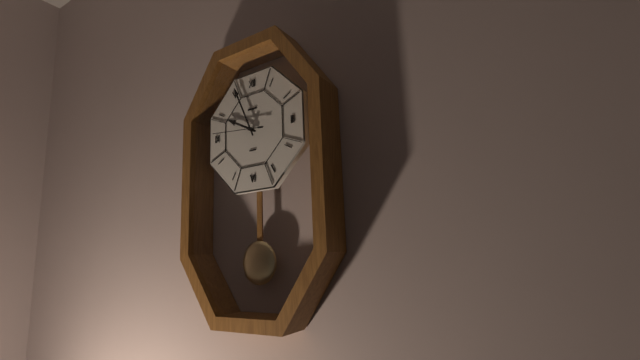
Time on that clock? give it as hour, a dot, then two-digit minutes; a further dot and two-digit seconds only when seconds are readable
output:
9.56.46
